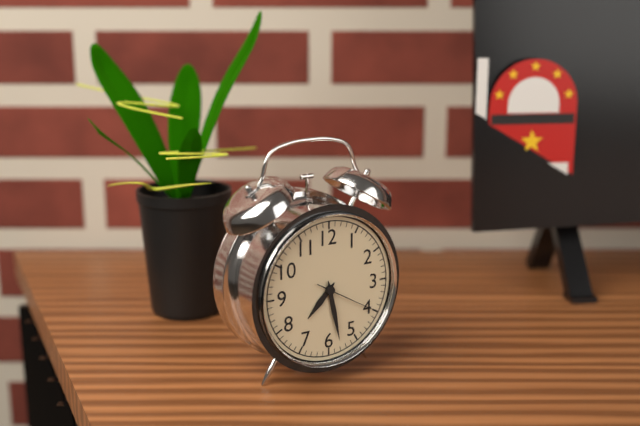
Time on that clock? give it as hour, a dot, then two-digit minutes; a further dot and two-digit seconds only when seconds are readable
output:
7.28.20
